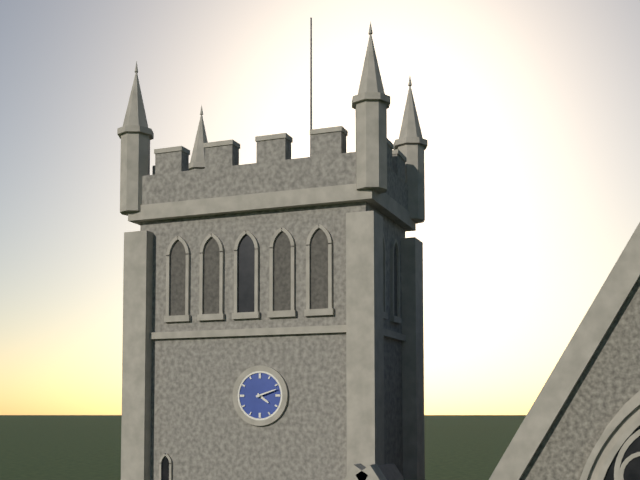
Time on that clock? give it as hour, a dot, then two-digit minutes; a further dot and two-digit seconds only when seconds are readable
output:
4.12
